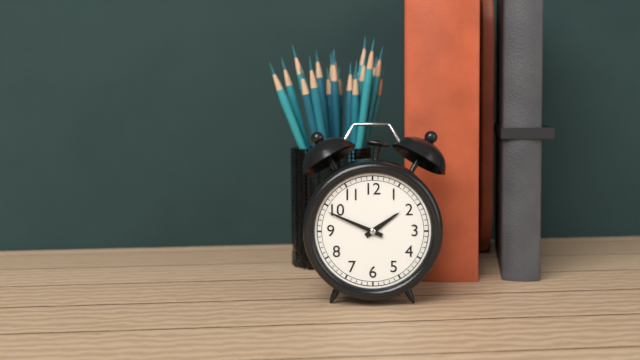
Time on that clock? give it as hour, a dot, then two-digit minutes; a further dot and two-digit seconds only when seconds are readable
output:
1.49
